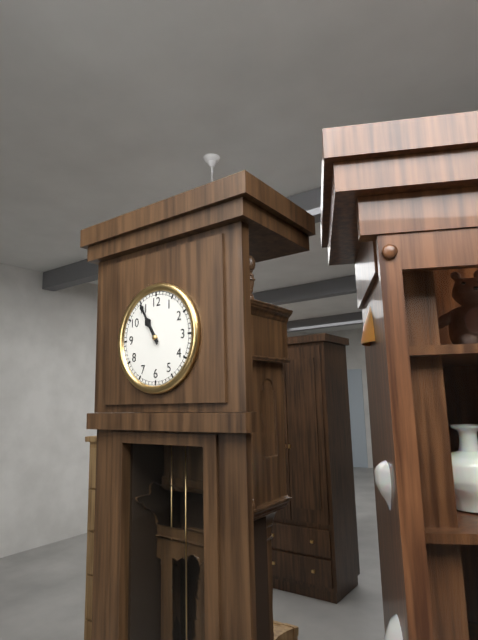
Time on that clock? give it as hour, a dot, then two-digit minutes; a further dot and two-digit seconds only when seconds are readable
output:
10.55
